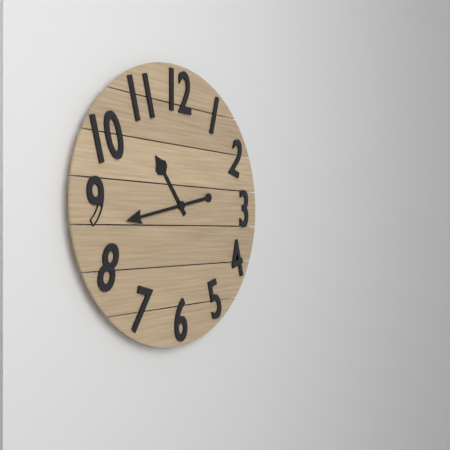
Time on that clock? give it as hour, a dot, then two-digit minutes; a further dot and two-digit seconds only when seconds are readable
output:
10.43
